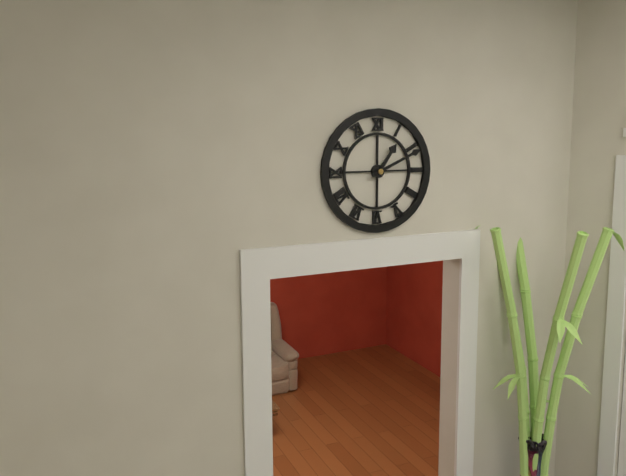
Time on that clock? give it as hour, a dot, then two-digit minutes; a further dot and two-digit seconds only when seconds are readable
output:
1.11
